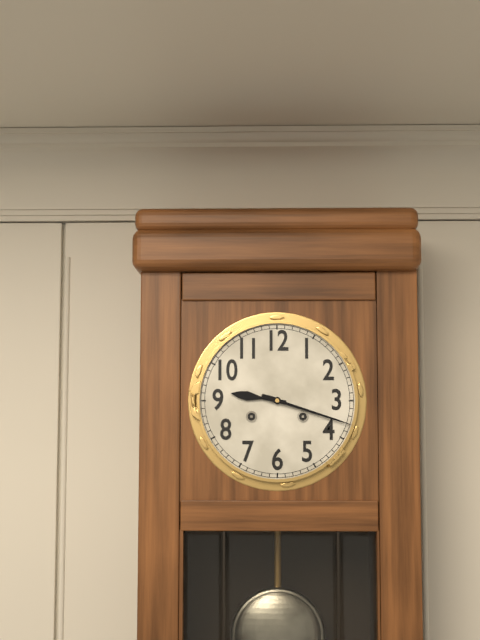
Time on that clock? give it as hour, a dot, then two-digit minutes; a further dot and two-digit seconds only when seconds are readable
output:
9.18
